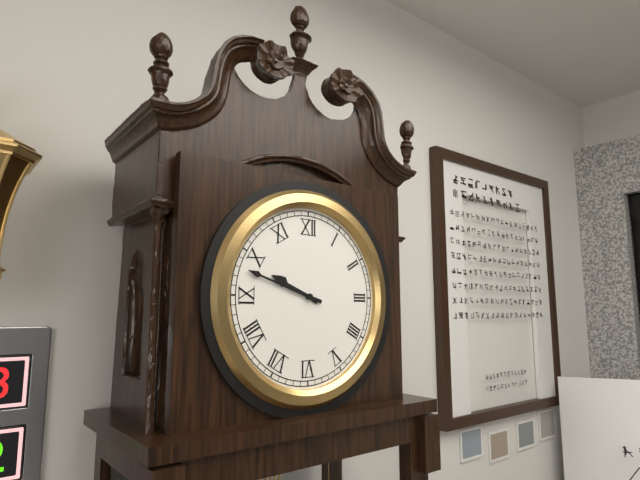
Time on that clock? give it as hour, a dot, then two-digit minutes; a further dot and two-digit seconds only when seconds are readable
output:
9.48
